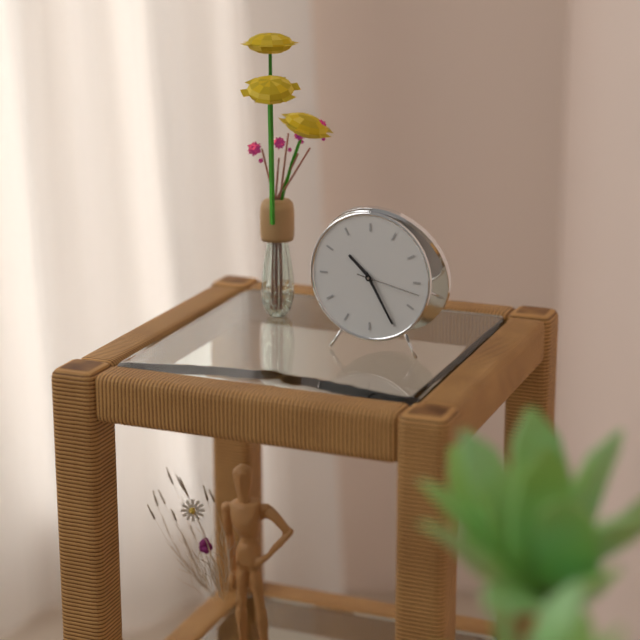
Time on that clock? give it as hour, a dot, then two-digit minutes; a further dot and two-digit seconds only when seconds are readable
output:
10.25.17
